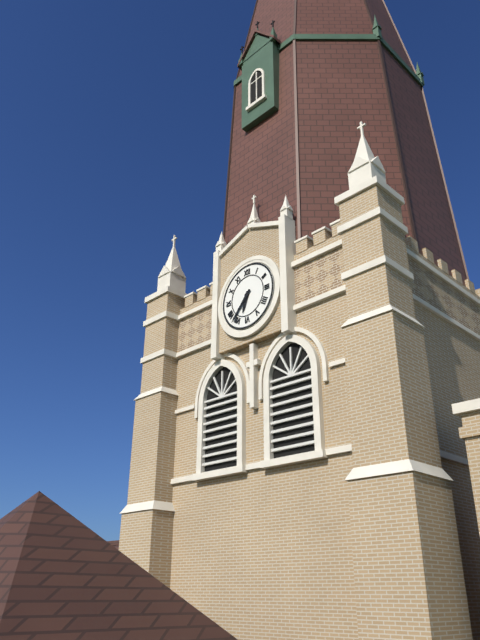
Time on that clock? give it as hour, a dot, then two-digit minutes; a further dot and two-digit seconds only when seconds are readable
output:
6.37
